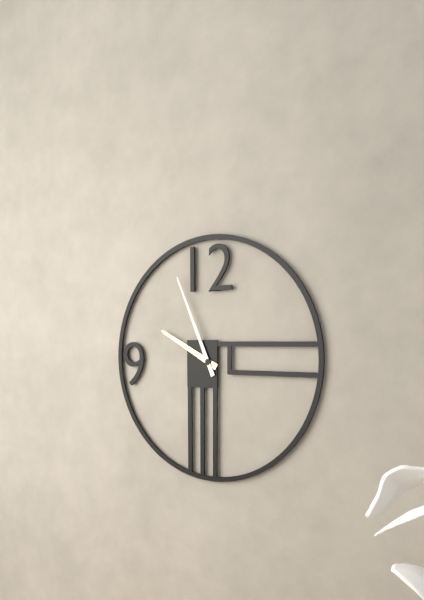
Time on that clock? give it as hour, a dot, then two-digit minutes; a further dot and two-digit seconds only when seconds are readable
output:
9.56
